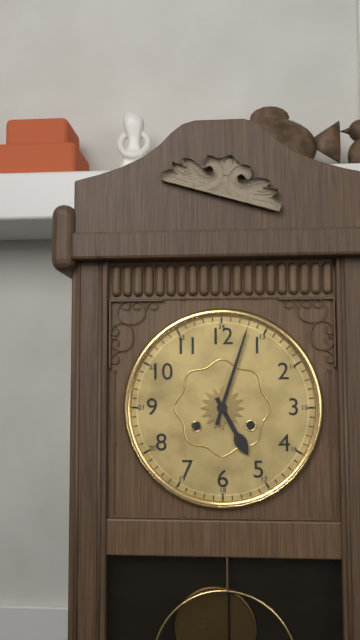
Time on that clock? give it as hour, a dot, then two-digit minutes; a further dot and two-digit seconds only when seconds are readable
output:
5.03
